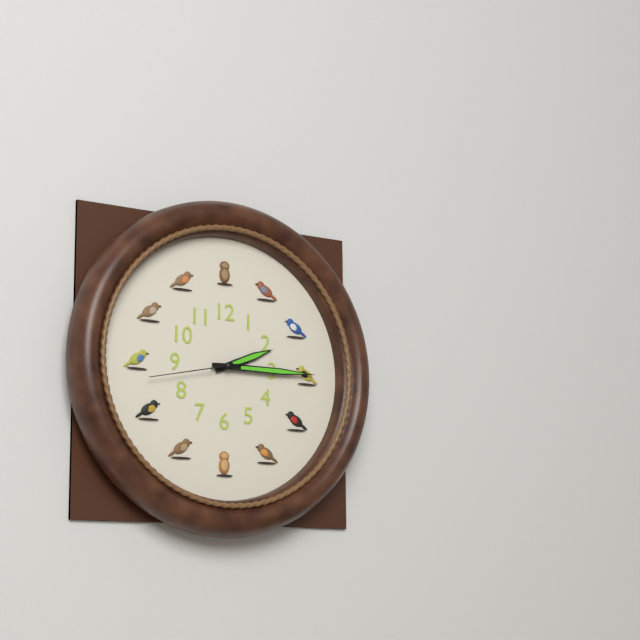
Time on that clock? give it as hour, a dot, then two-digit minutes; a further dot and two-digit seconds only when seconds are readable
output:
2.15.43
